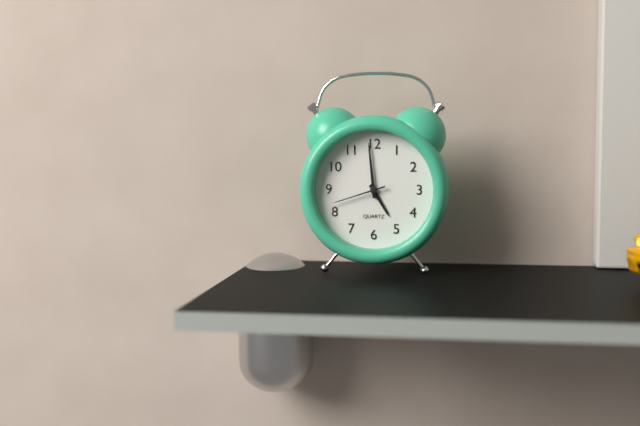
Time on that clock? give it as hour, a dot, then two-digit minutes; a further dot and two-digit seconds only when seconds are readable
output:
4.59.42
